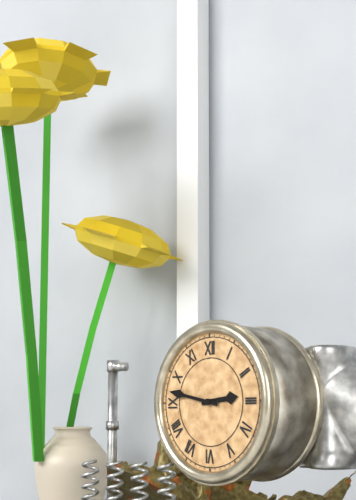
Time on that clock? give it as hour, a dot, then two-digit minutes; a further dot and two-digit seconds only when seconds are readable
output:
2.47
